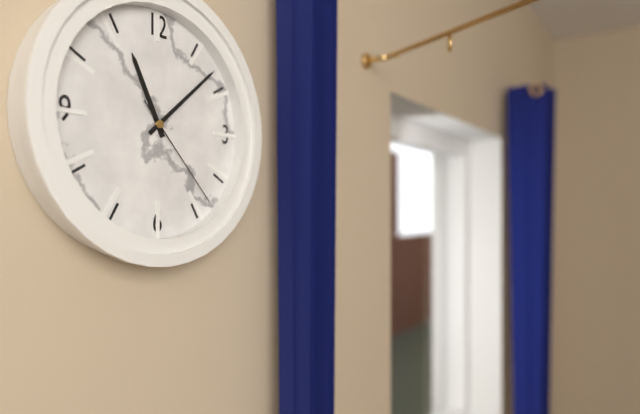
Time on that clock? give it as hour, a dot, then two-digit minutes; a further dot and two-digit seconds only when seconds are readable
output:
11.08.23
